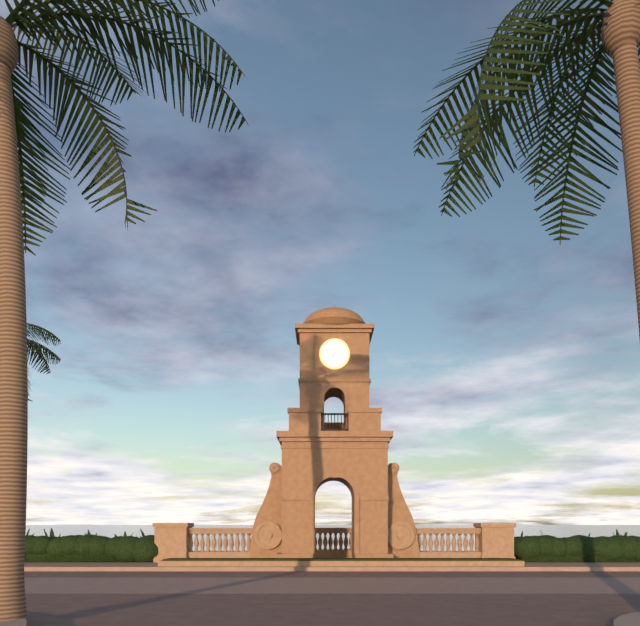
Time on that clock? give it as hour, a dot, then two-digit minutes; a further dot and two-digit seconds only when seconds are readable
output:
7.08
